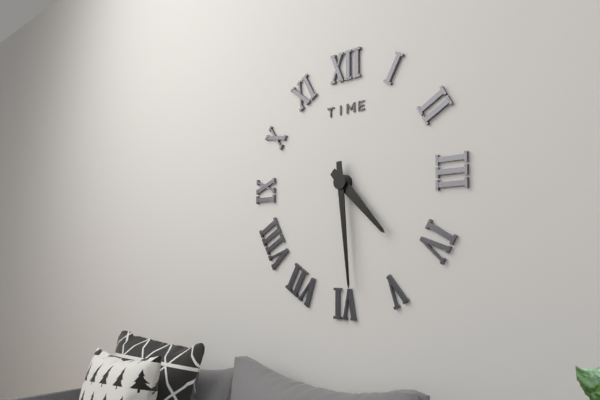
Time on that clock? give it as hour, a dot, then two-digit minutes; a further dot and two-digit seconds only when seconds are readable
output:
4.29
